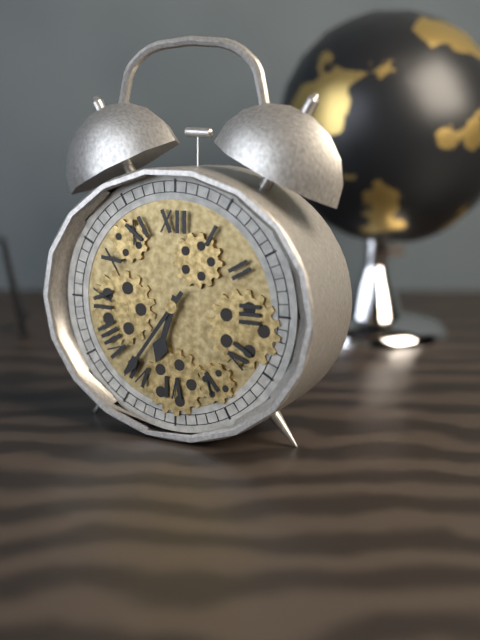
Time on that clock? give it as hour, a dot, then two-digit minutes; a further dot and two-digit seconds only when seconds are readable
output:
6.36
